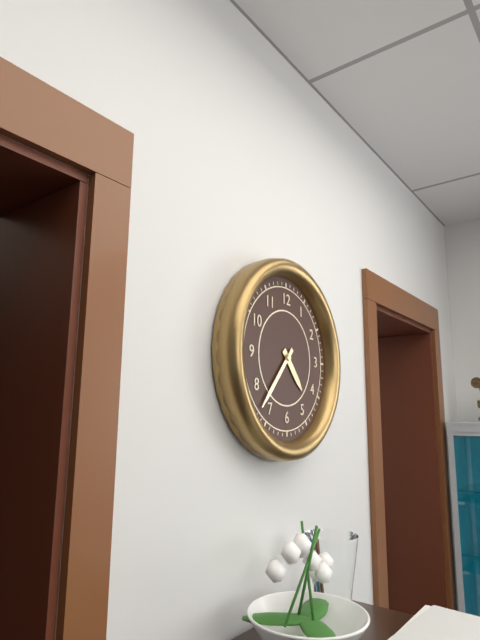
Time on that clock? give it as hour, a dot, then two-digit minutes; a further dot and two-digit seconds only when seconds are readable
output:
4.37
